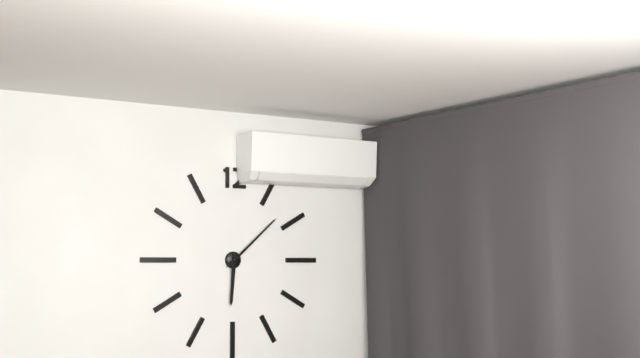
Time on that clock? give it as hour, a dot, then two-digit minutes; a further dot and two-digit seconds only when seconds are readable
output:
6.08
